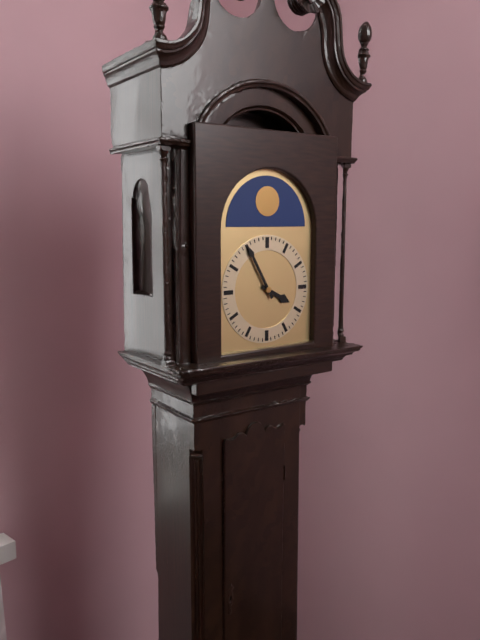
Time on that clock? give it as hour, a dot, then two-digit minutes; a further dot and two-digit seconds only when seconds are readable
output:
3.55
